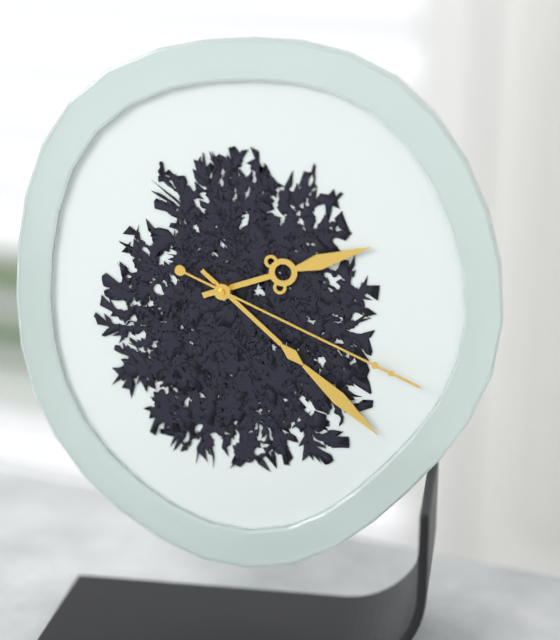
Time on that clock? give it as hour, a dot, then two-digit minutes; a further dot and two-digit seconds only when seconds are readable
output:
2.22.19
